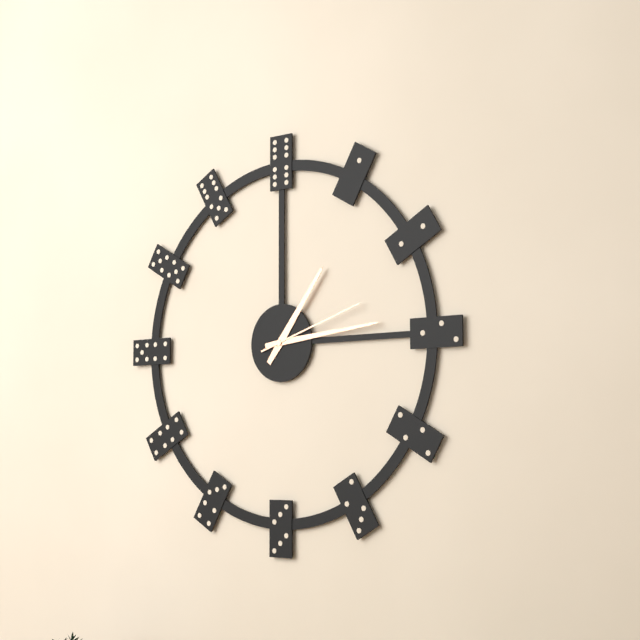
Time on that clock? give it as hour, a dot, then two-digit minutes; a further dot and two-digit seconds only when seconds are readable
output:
1.14.12
